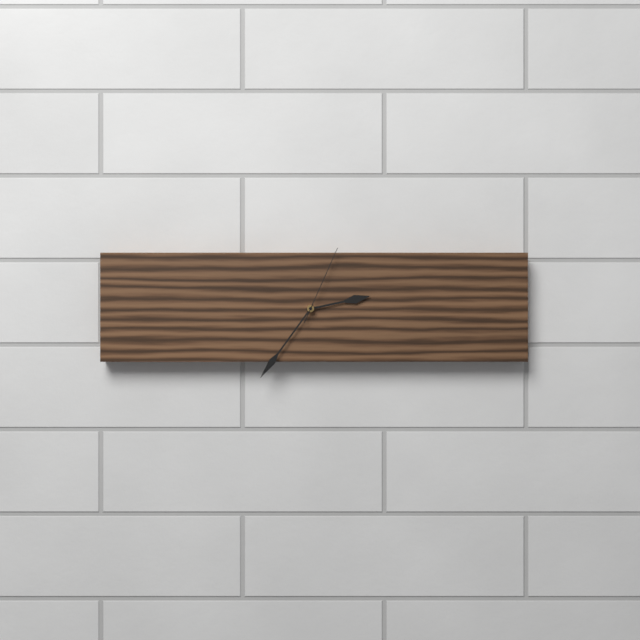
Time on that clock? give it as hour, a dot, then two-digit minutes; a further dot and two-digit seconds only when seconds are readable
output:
2.36.04
